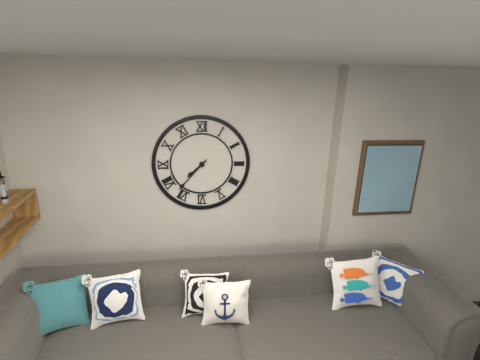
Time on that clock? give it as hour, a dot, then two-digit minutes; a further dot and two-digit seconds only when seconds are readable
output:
7.37
